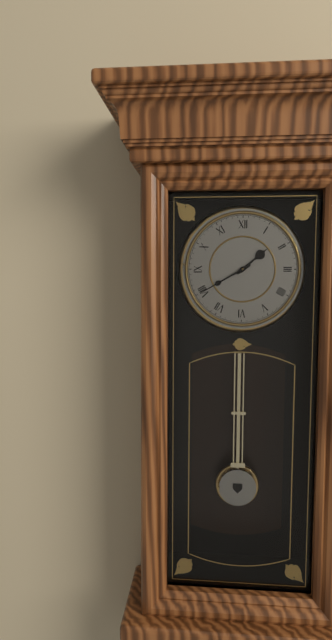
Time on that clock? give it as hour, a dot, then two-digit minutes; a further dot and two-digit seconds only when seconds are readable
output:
1.40
